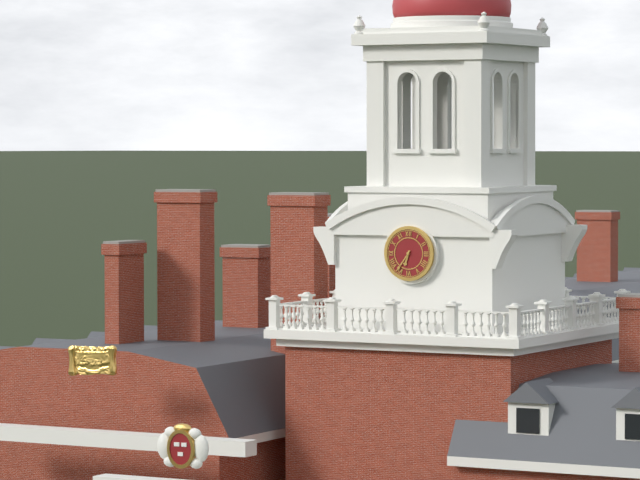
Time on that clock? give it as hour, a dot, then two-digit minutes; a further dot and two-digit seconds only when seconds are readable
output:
6.36
